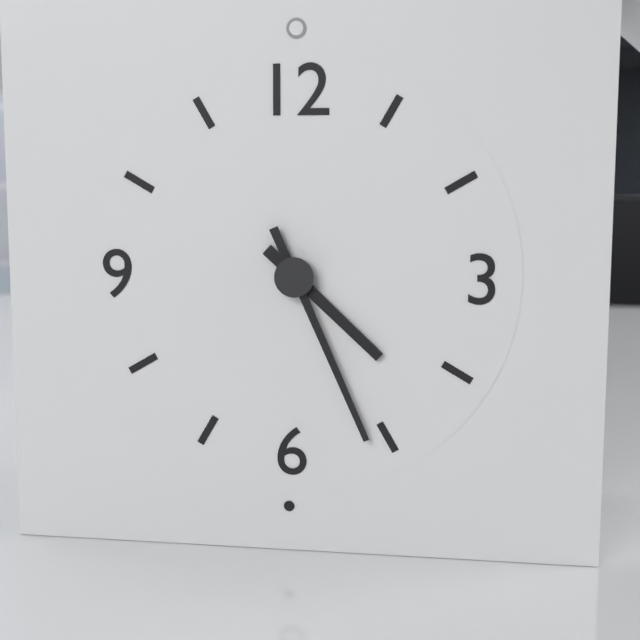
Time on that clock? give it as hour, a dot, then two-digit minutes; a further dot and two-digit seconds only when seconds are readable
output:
4.26
